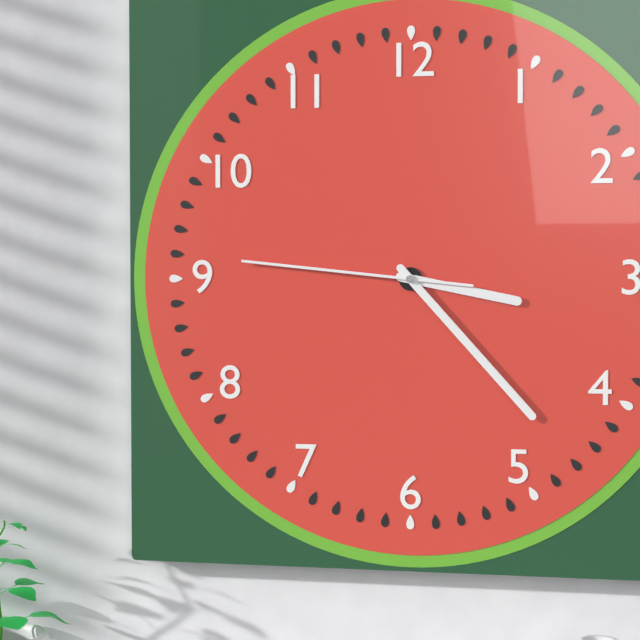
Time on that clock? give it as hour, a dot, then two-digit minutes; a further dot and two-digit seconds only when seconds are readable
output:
3.23.46
